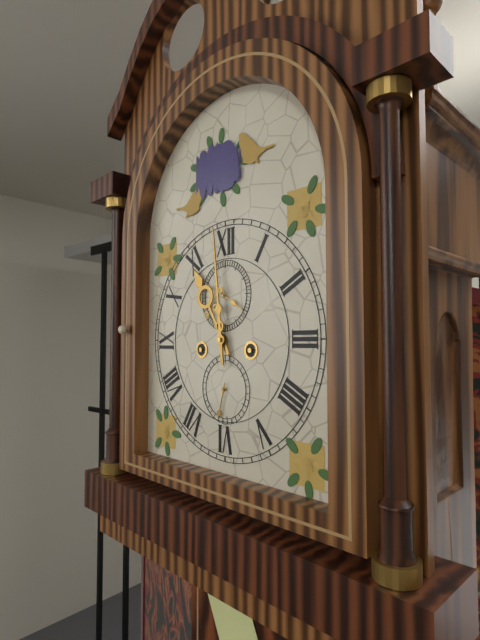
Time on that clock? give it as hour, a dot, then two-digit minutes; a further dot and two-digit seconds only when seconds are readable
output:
10.59
